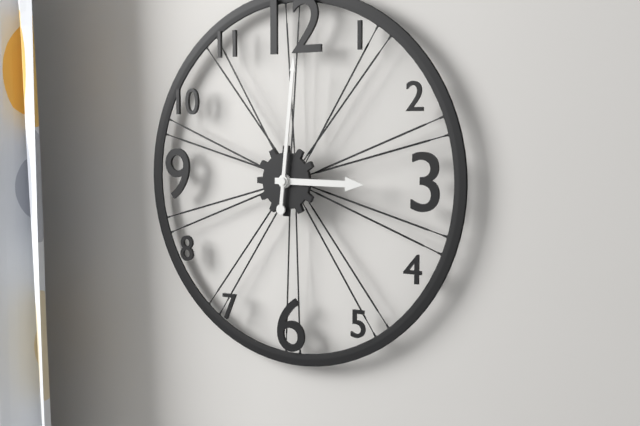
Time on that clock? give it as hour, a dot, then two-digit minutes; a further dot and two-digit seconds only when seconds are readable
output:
3.01
